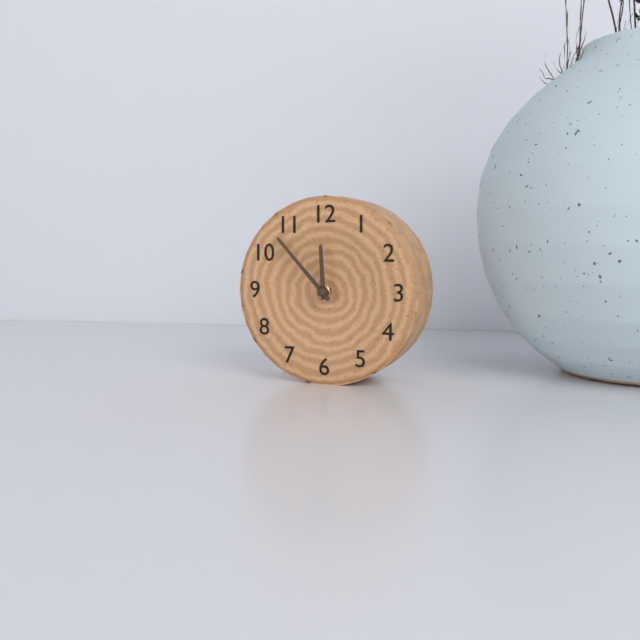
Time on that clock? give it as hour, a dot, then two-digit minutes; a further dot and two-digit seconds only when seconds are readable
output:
11.53
